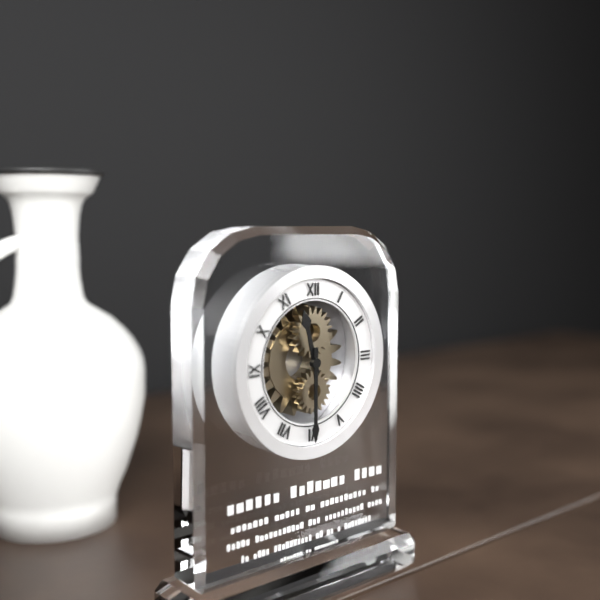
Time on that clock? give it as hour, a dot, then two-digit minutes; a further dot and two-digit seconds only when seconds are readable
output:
11.30
